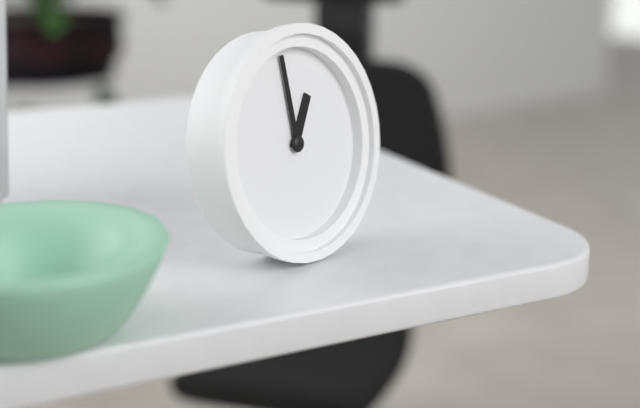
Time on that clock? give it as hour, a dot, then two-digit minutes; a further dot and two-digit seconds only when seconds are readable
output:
12.59
